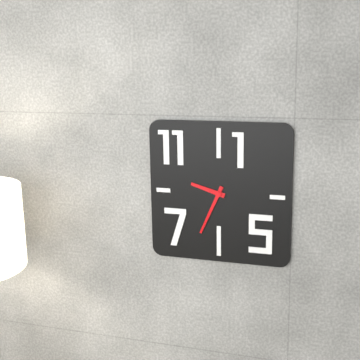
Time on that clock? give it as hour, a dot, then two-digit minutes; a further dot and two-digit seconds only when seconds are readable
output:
9.34
